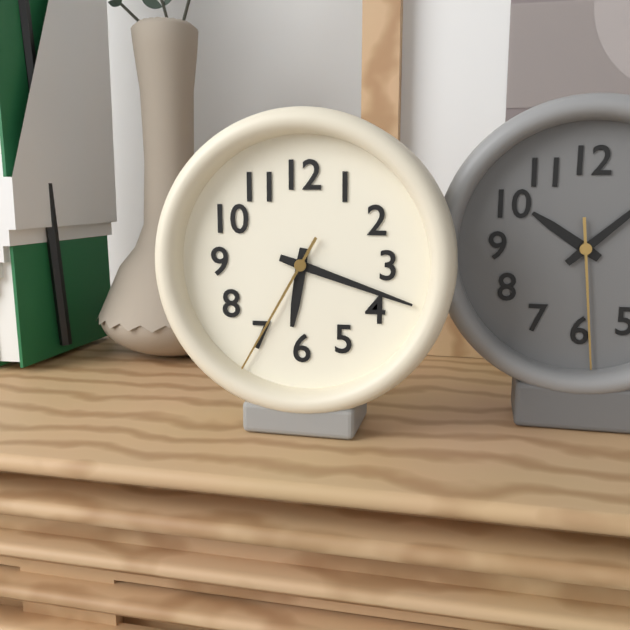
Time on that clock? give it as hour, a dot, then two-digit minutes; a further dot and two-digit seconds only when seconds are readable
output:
6.18.35
